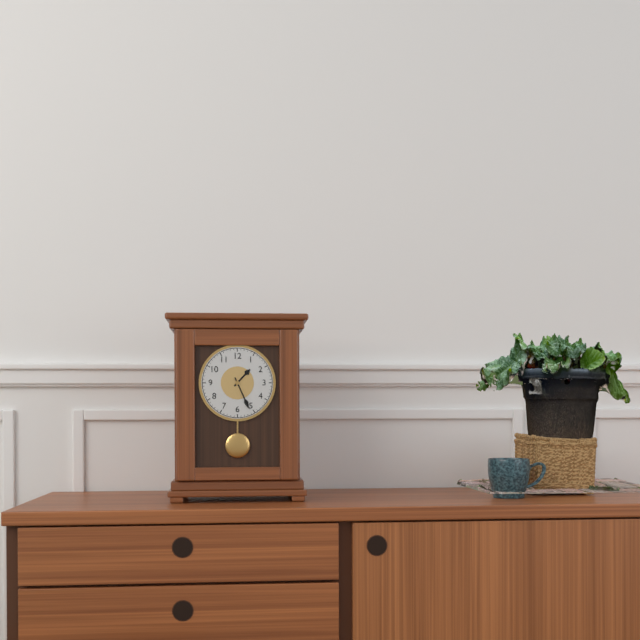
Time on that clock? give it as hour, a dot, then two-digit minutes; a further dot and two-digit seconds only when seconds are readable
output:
1.26
